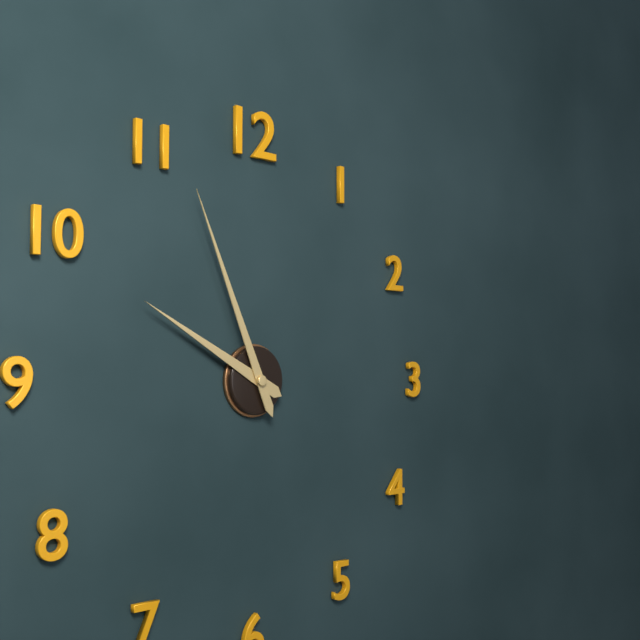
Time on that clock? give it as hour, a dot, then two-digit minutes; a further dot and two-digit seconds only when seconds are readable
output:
9.56
